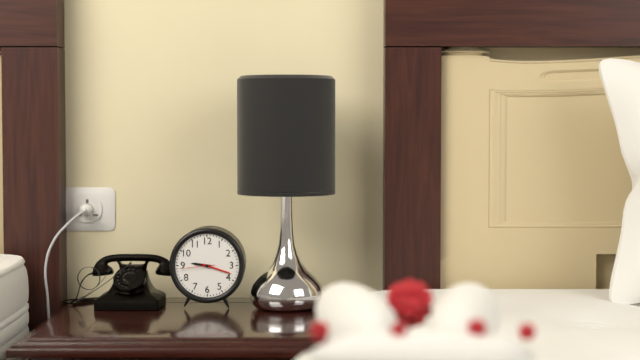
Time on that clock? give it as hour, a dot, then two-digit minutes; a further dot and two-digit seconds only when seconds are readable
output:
9.18
